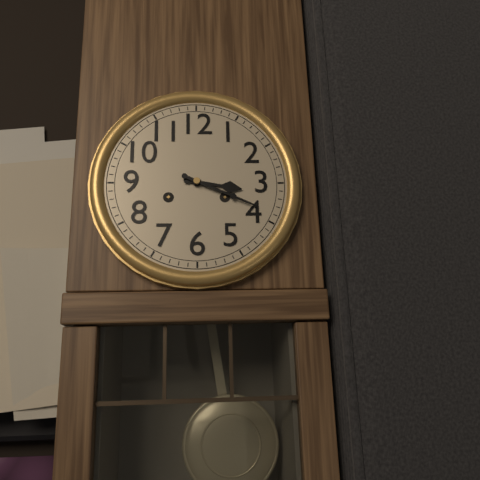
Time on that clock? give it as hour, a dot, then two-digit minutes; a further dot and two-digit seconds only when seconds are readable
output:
3.19
